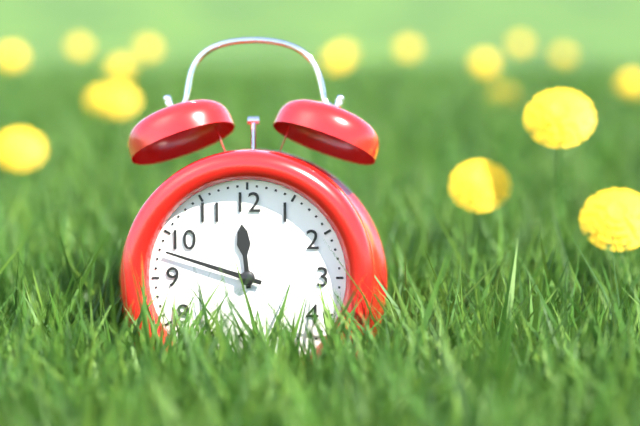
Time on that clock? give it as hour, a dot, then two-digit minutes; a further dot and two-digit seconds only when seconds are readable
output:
11.48
